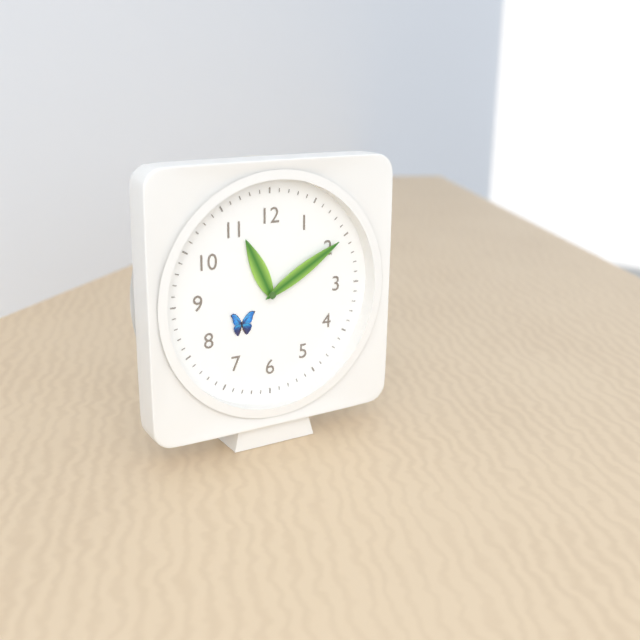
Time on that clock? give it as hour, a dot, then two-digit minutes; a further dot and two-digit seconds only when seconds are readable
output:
11.10
